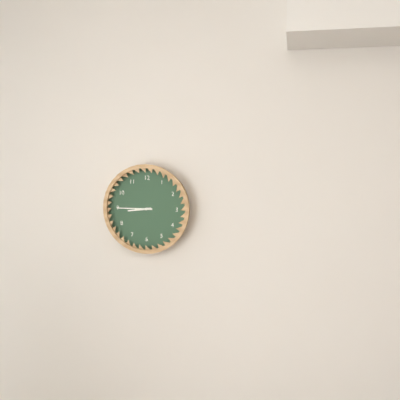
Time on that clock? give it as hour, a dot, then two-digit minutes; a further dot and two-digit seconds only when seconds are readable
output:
8.45
